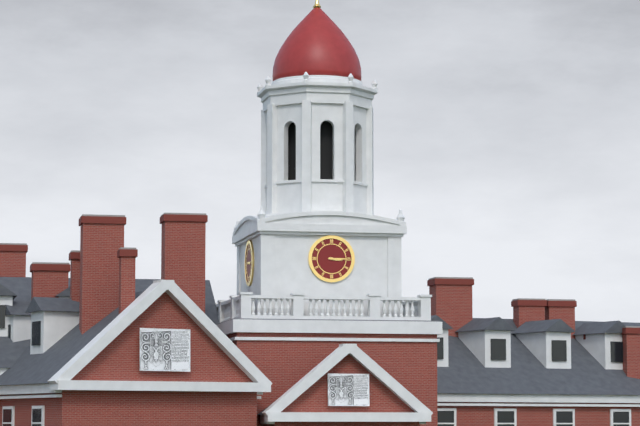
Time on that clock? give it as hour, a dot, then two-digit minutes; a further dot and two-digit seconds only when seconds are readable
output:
3.15
